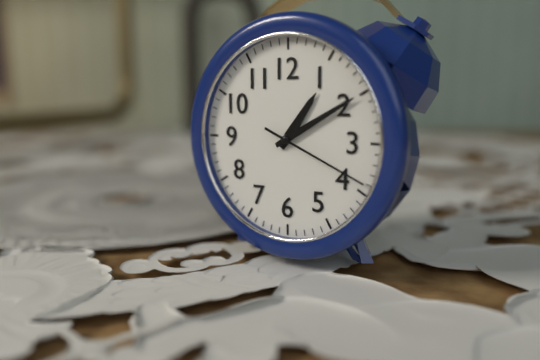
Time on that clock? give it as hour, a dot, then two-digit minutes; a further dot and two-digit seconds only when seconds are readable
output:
1.10.19
